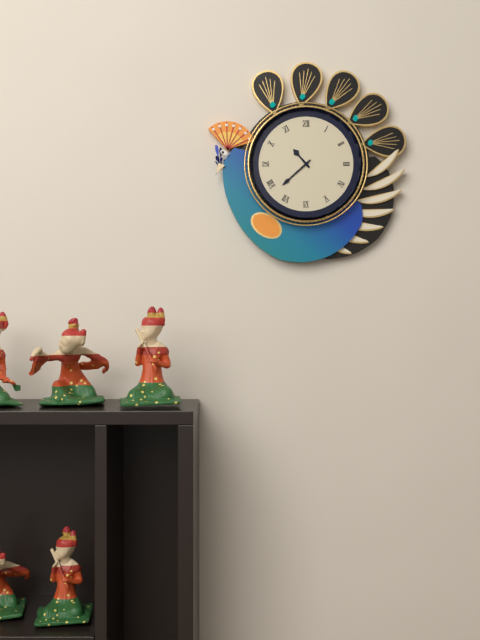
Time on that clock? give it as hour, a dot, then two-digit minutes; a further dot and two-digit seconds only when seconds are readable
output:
10.38
